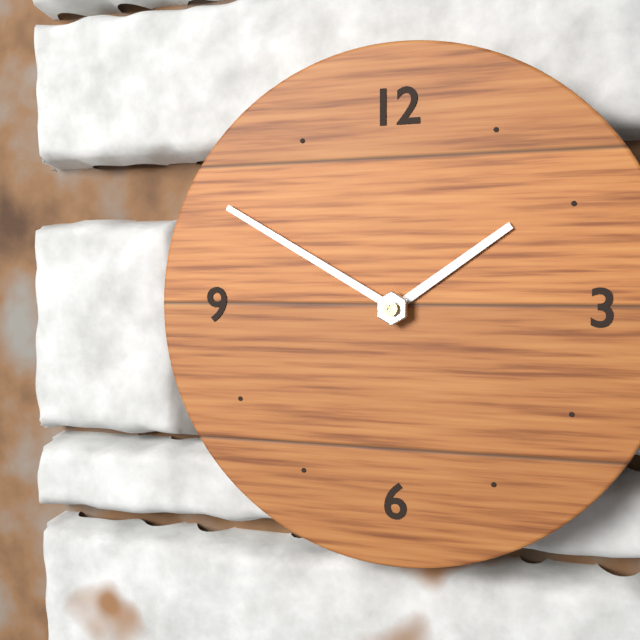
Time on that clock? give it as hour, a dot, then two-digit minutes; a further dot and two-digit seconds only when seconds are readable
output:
1.50
